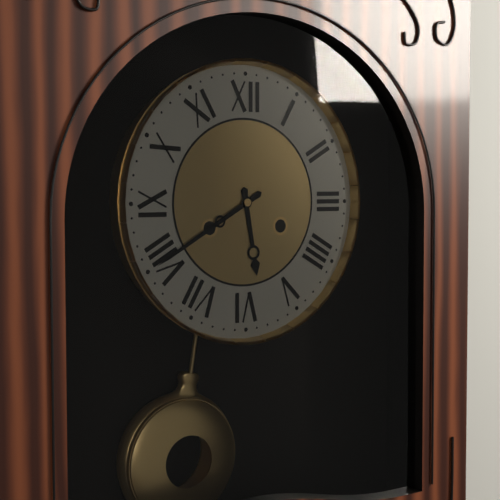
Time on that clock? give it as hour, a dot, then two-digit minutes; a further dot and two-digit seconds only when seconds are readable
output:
5.40
